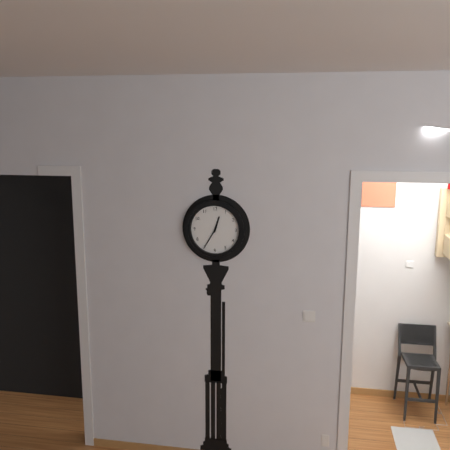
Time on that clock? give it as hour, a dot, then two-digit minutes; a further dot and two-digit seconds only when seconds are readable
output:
12.35
